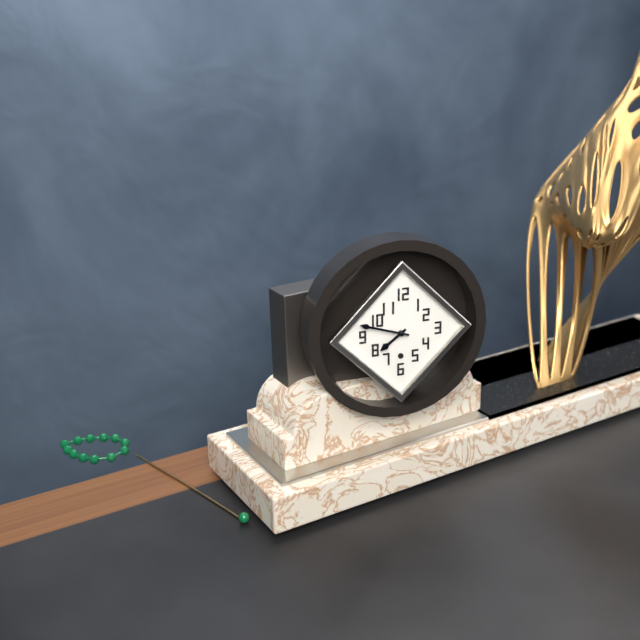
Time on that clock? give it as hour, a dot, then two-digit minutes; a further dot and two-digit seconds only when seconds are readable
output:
7.48
